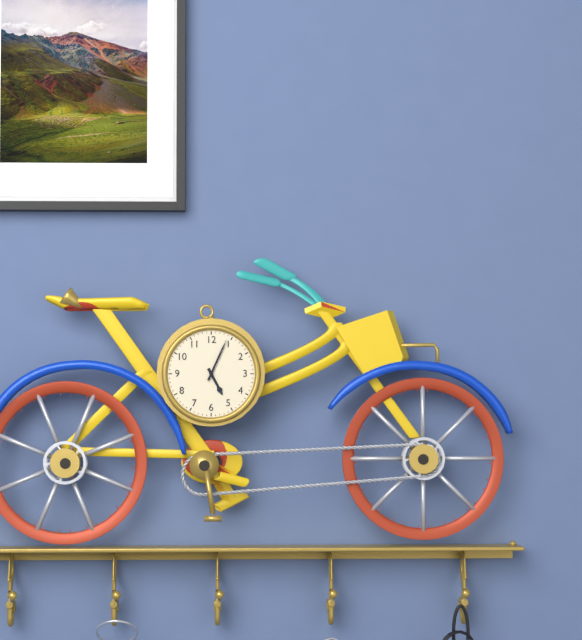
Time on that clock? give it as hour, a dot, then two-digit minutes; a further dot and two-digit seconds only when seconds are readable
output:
5.04
